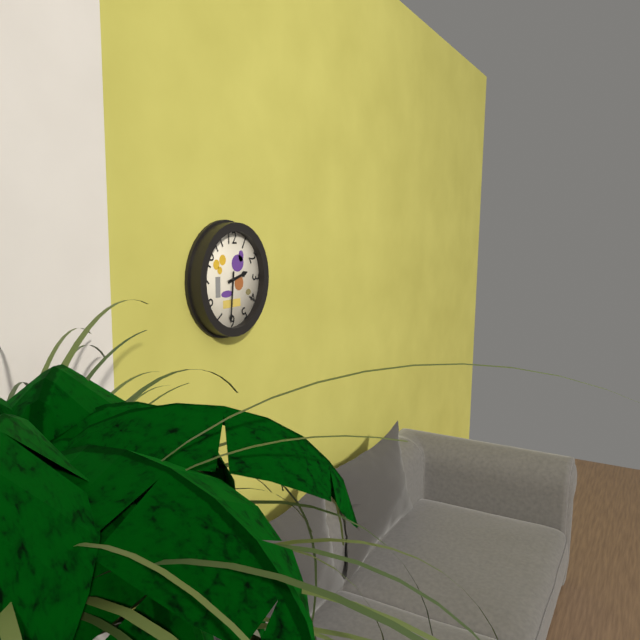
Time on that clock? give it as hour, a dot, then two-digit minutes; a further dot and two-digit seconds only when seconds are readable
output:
2.31
